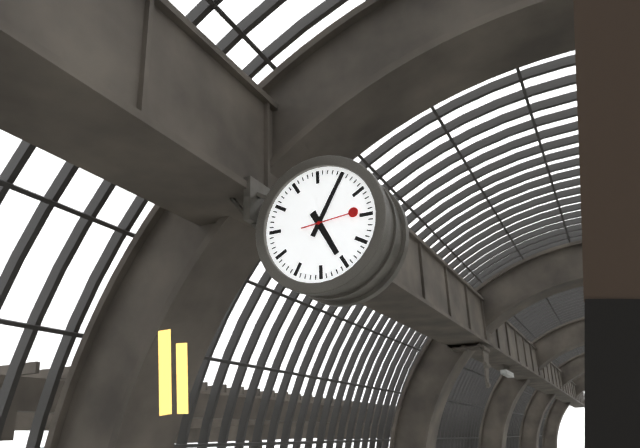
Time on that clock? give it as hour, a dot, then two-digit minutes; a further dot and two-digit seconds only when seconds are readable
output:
5.05.14
